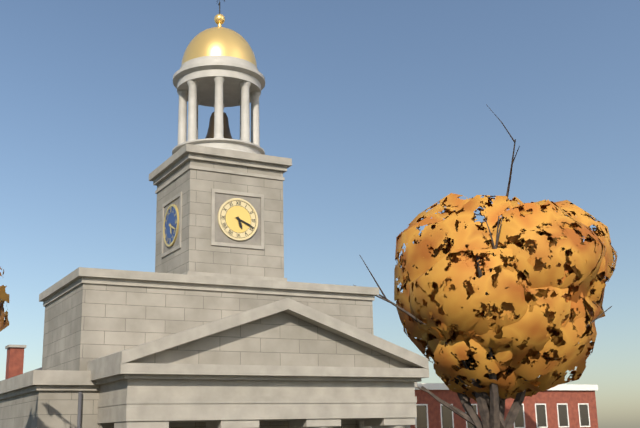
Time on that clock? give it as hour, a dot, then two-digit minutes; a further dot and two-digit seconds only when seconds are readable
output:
5.19
